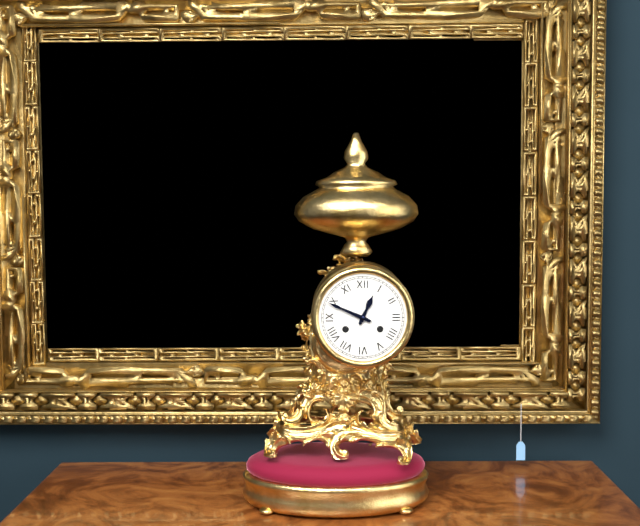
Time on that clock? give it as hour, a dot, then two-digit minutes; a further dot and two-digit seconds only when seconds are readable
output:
12.49
